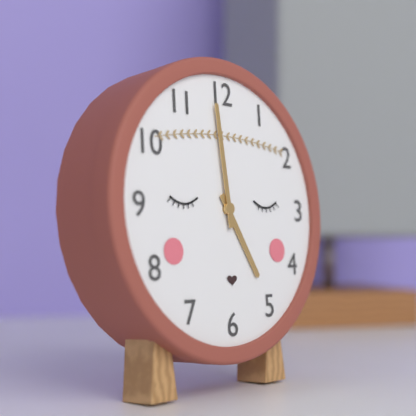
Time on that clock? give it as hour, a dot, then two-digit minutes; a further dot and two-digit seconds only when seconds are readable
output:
4.59
